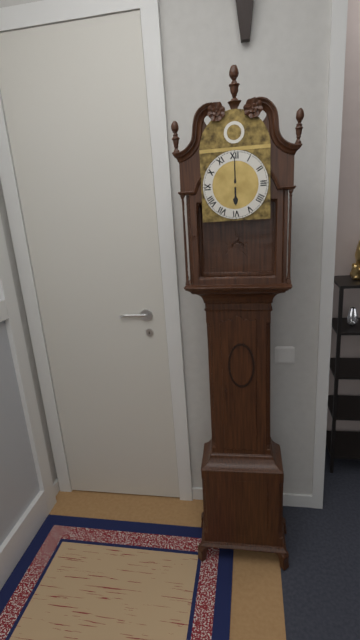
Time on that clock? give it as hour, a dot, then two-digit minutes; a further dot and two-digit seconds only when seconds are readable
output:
6.00
